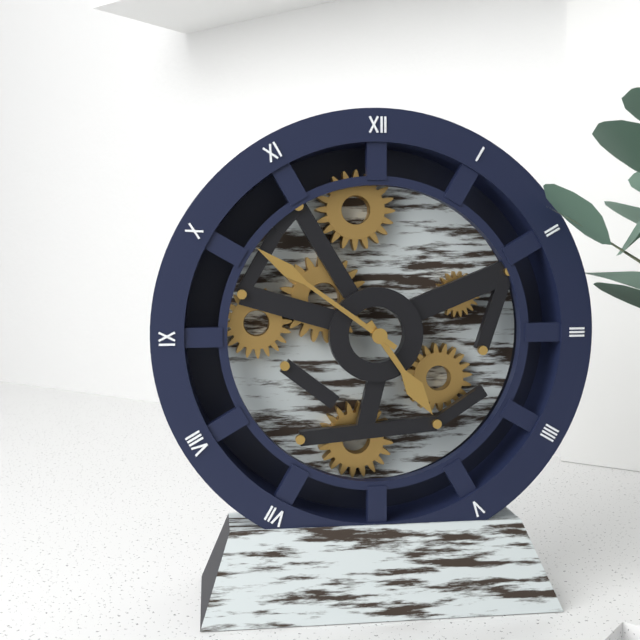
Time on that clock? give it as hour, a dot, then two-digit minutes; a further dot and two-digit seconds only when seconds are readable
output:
4.51
